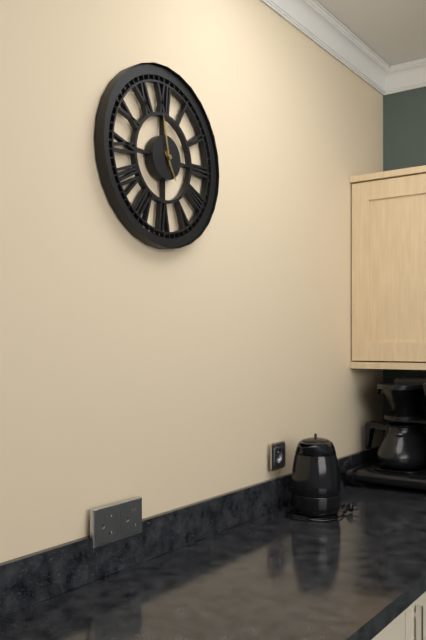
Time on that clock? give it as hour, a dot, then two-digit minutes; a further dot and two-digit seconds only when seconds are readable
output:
4.58
